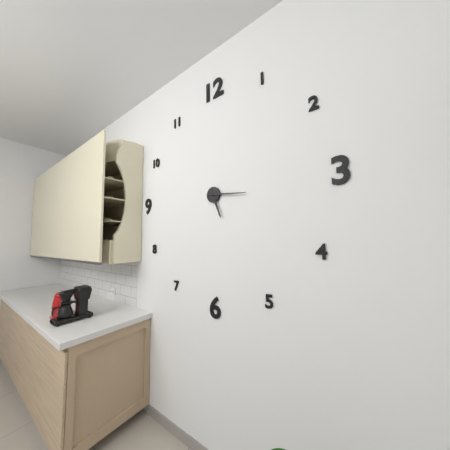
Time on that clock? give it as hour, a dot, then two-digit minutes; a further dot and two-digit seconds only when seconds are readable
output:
5.16
